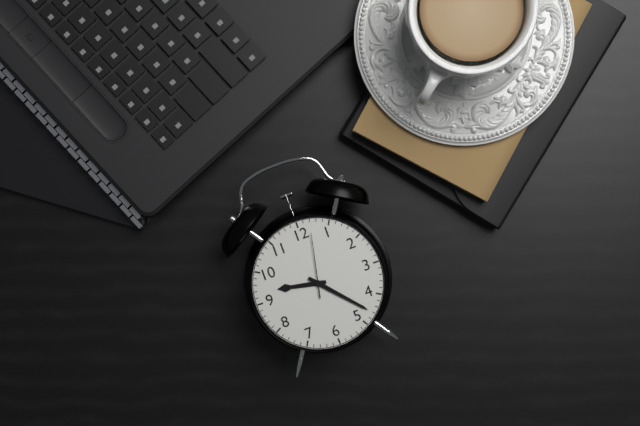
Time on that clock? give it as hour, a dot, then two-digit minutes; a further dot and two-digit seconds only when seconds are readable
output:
9.23.02
